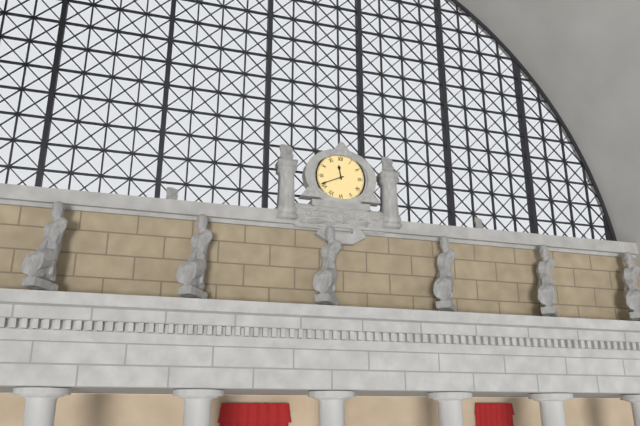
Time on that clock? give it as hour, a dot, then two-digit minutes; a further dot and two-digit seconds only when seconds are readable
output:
11.41
